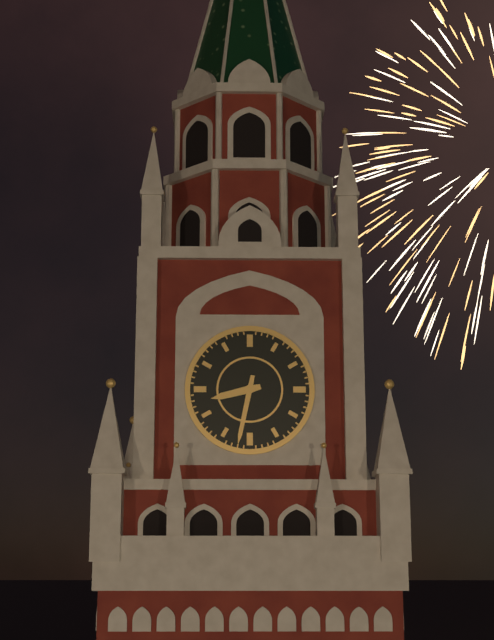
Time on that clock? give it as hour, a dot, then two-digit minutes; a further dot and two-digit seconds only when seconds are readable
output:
8.32
